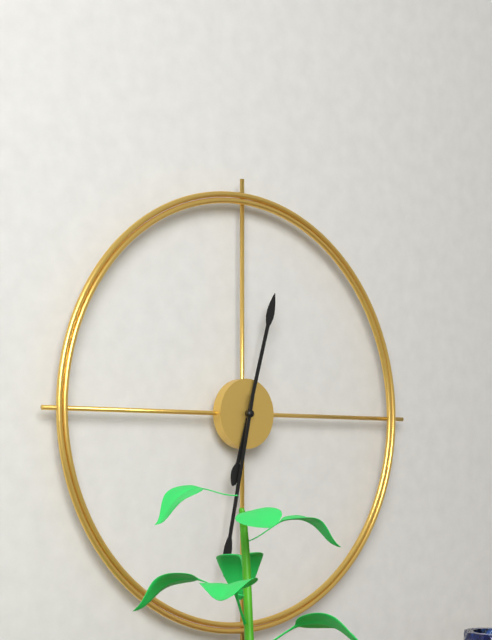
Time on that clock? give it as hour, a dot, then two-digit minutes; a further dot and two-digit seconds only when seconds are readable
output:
12.32
